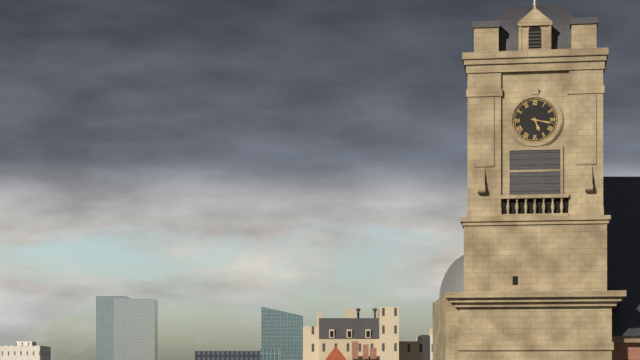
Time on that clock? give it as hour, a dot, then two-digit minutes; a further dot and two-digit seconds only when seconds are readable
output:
5.17
